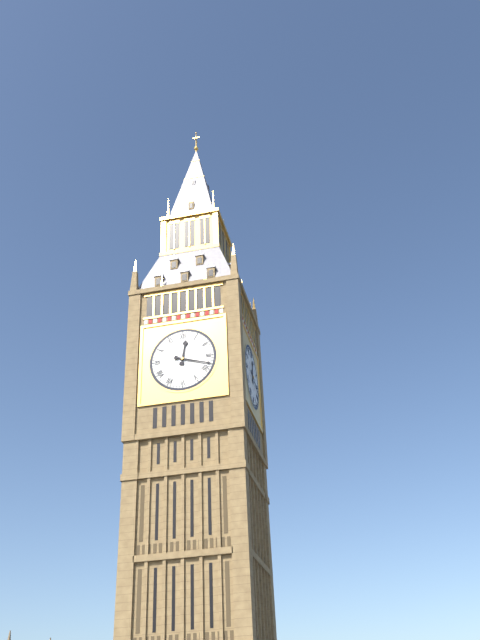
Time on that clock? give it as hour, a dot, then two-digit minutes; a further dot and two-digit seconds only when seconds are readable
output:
12.18
